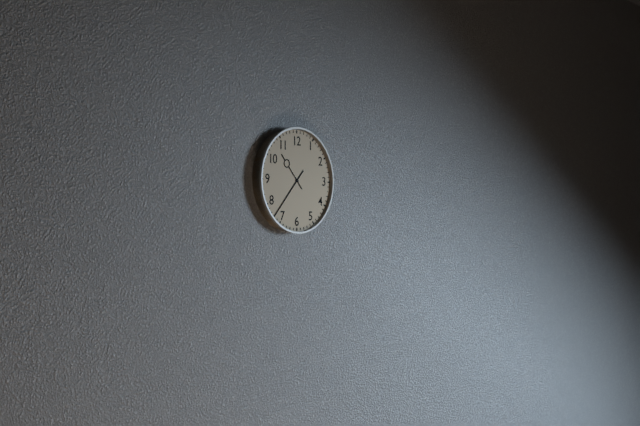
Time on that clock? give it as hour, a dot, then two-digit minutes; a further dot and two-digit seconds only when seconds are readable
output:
10.37
